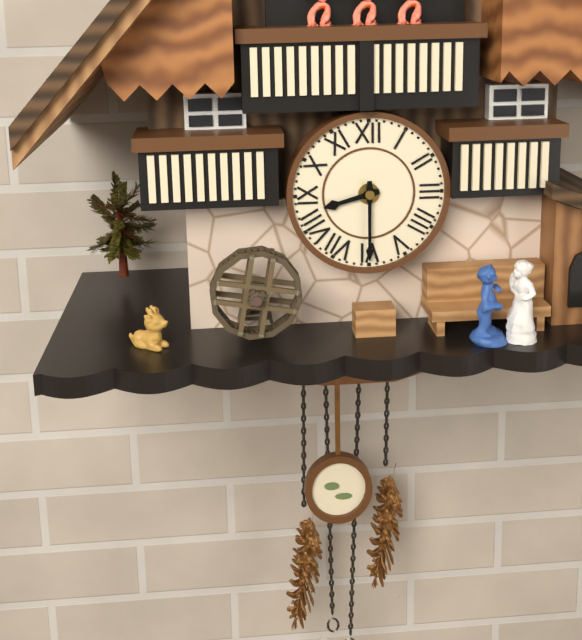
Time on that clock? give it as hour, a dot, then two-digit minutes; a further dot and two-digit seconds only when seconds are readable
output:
8.30
